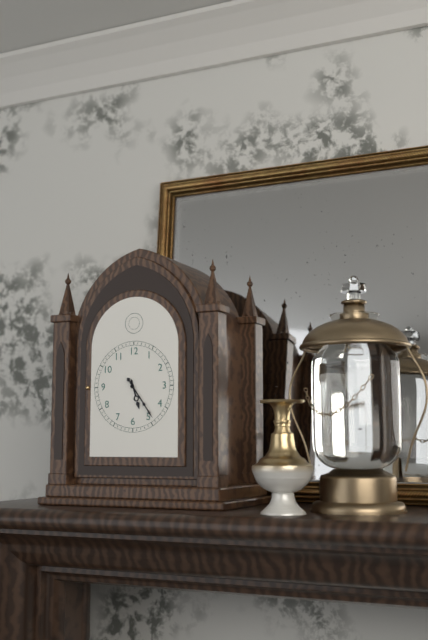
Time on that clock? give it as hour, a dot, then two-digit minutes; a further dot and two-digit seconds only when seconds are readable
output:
5.24
